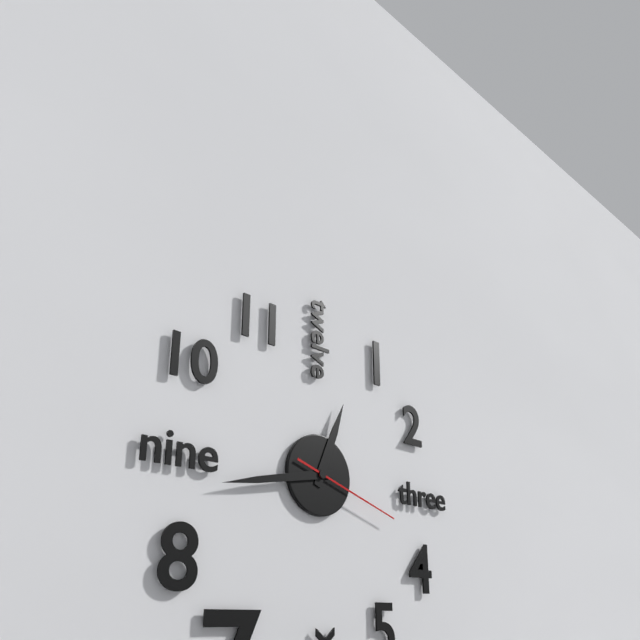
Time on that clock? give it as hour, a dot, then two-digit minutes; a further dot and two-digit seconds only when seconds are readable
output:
12.43.18
